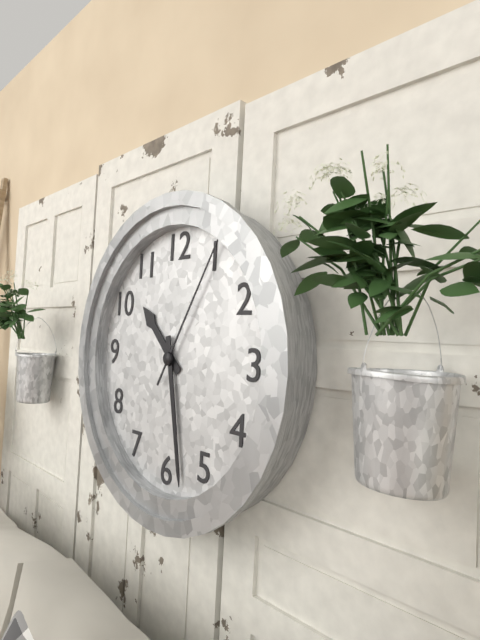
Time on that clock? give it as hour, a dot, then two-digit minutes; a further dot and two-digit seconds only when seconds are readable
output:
10.28.05
